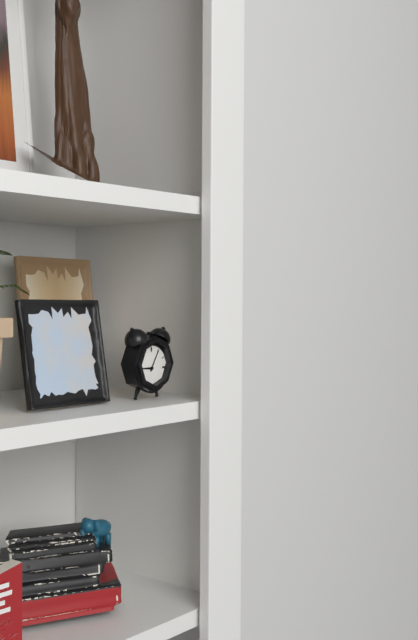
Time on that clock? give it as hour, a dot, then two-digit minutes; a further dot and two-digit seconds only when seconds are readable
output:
9.05
